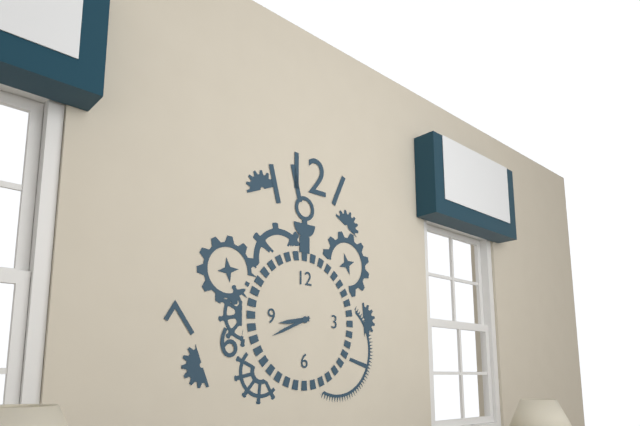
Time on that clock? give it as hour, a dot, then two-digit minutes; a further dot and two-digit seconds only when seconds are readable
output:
8.41
